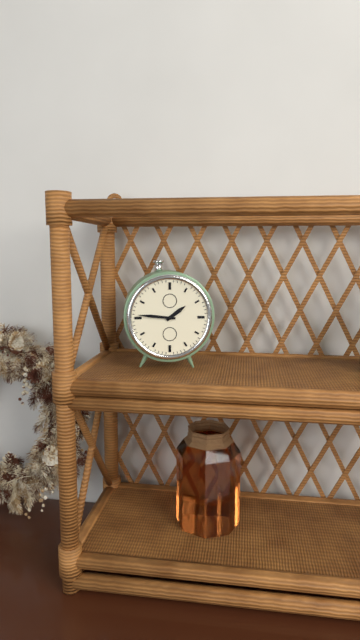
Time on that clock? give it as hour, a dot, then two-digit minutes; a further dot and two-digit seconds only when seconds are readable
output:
1.46
